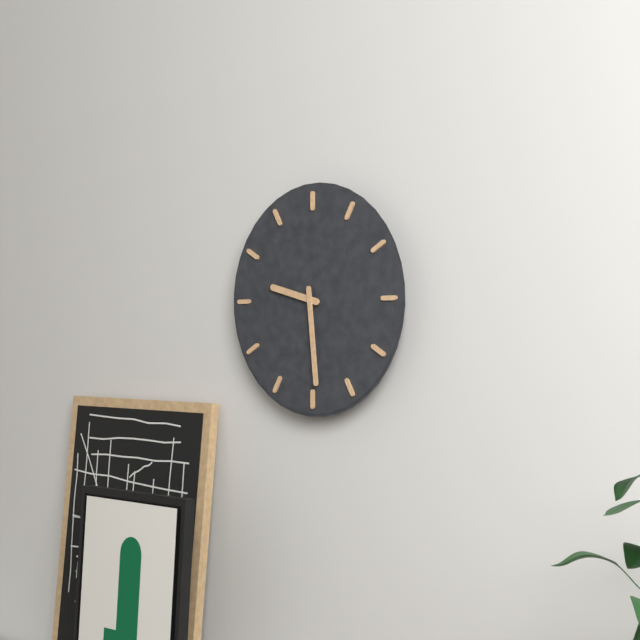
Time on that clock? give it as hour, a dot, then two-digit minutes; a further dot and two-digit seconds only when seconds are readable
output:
9.29
